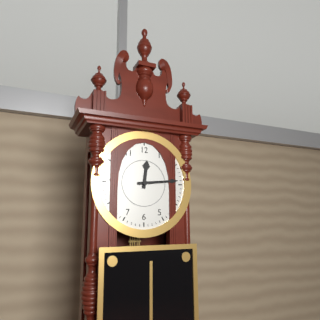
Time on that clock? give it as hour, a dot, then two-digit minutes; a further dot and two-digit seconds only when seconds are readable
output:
12.14
